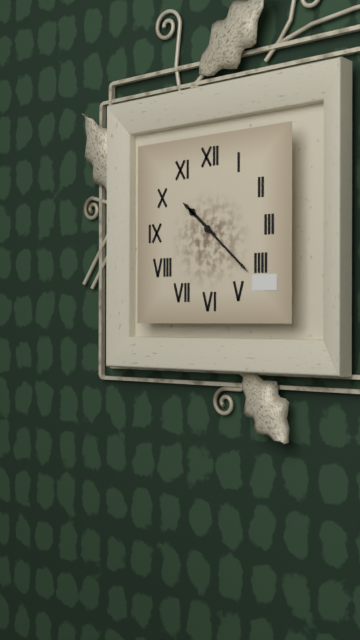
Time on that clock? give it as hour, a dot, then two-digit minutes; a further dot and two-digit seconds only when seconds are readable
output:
10.22
